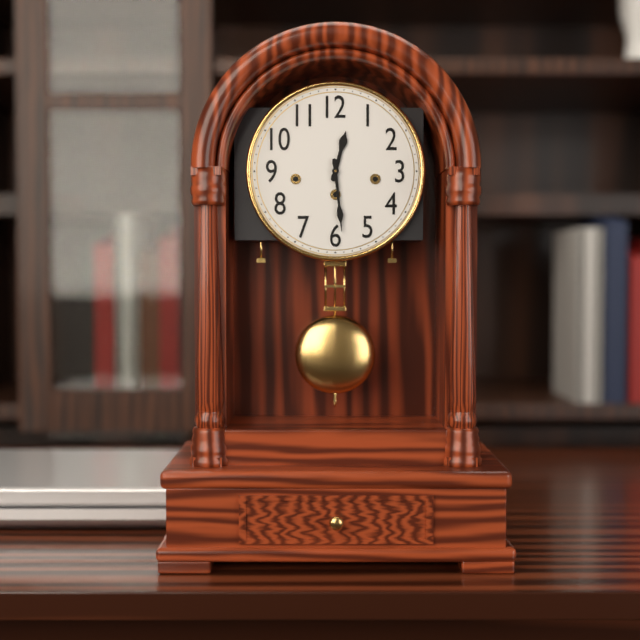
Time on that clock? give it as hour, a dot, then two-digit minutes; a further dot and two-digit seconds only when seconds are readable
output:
12.29
